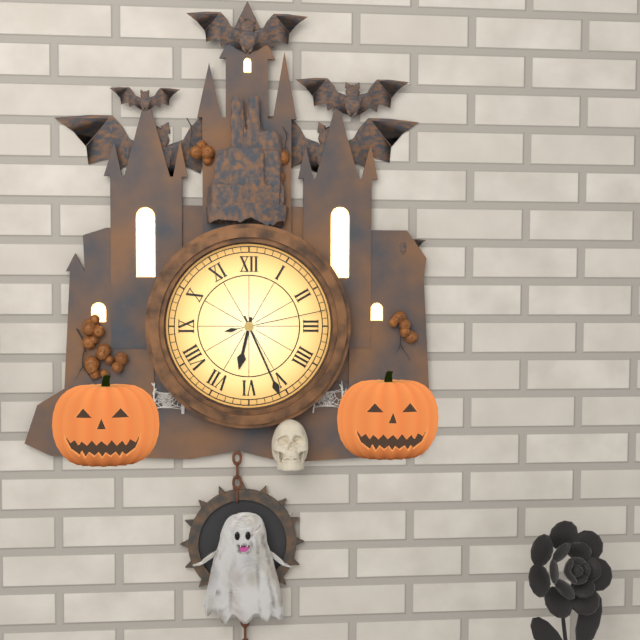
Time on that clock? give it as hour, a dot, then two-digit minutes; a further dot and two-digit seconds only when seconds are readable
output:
6.26.13
